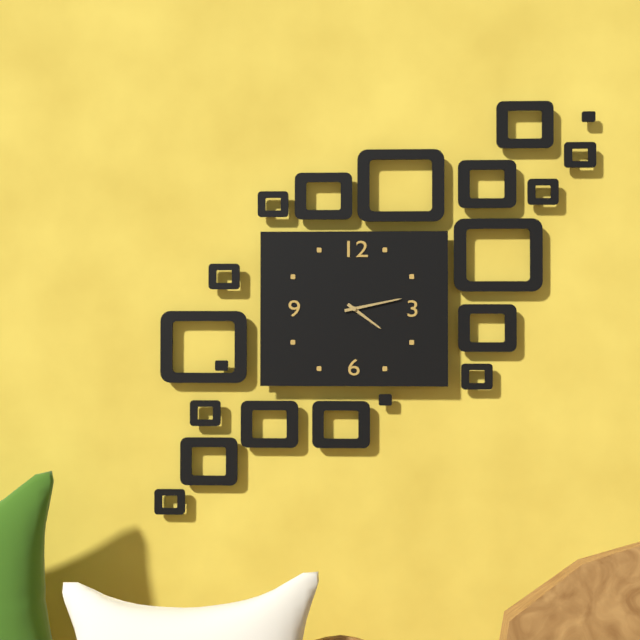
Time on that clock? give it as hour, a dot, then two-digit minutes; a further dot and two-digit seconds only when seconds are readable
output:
4.13
